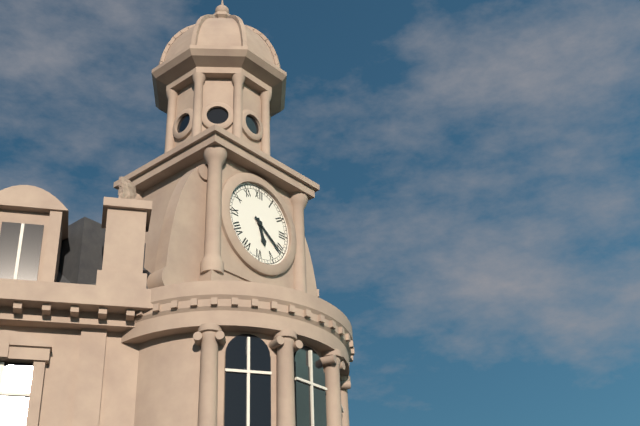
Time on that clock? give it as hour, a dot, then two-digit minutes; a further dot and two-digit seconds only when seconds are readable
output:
5.21
